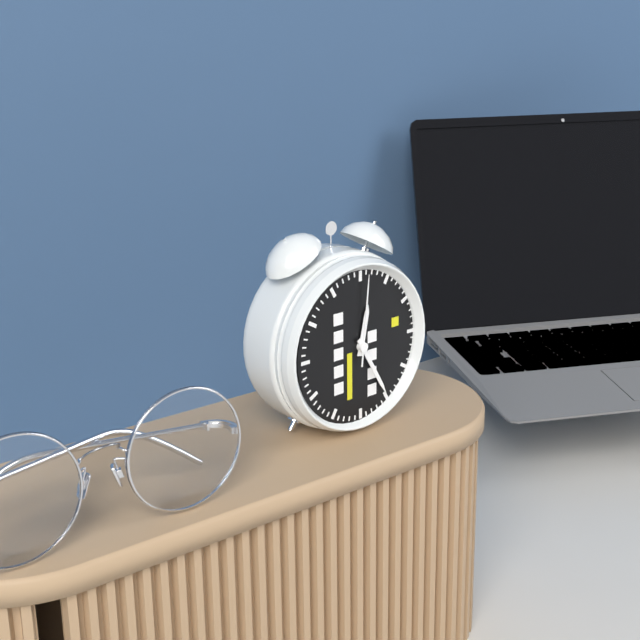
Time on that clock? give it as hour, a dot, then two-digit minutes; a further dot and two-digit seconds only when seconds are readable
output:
12.25.01
